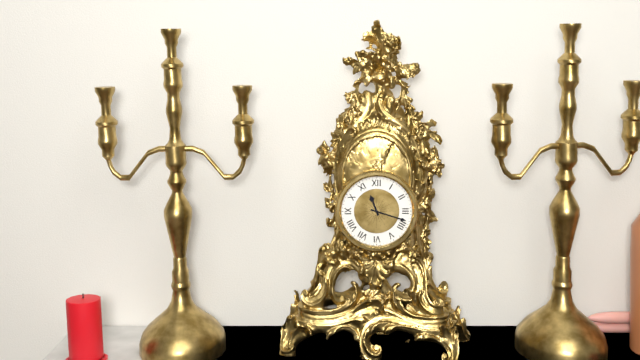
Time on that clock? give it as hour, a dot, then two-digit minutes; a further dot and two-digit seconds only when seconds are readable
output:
11.18
